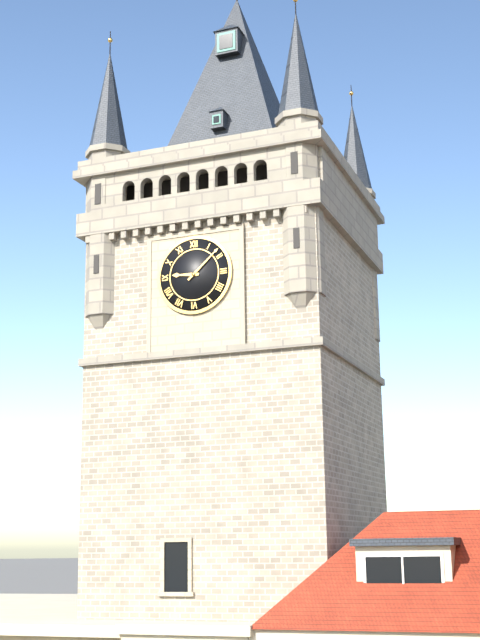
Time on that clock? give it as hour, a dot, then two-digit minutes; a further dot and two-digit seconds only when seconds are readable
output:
9.08
